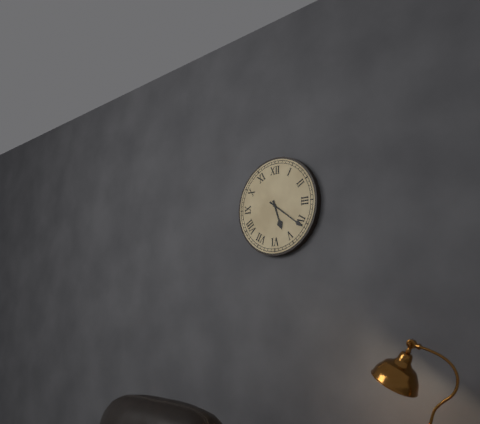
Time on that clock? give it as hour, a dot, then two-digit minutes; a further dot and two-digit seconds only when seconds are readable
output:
5.21
